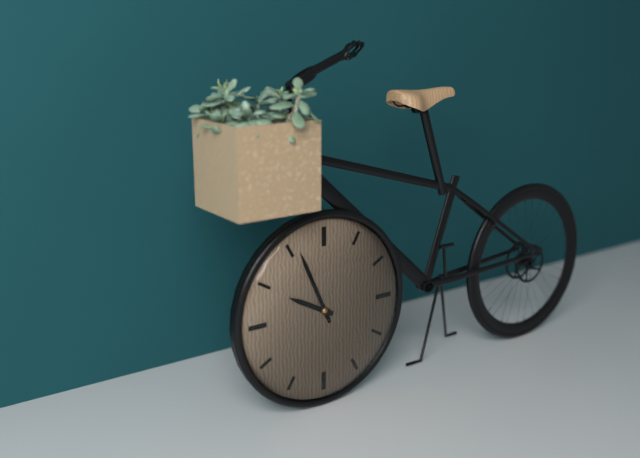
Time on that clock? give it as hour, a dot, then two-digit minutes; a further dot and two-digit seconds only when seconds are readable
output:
9.56
